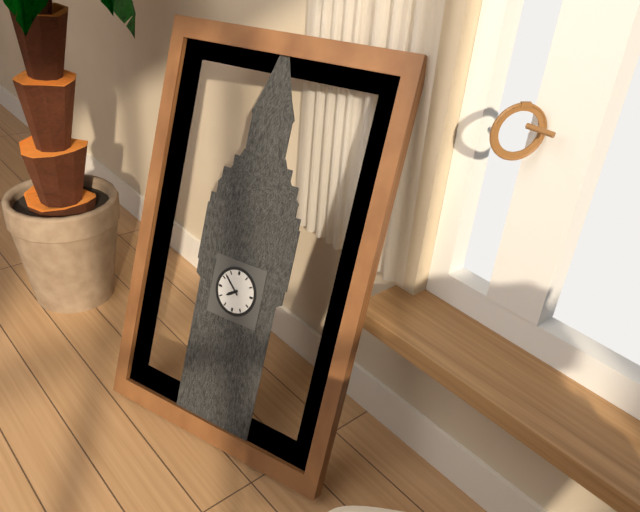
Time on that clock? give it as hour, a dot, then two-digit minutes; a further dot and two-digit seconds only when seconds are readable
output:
7.52
